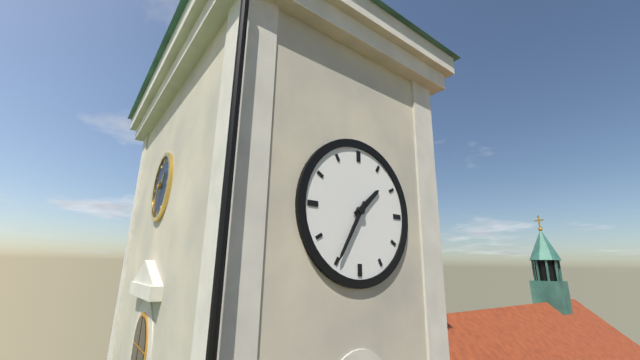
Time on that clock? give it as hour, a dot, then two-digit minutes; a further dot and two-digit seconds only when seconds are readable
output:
1.35
